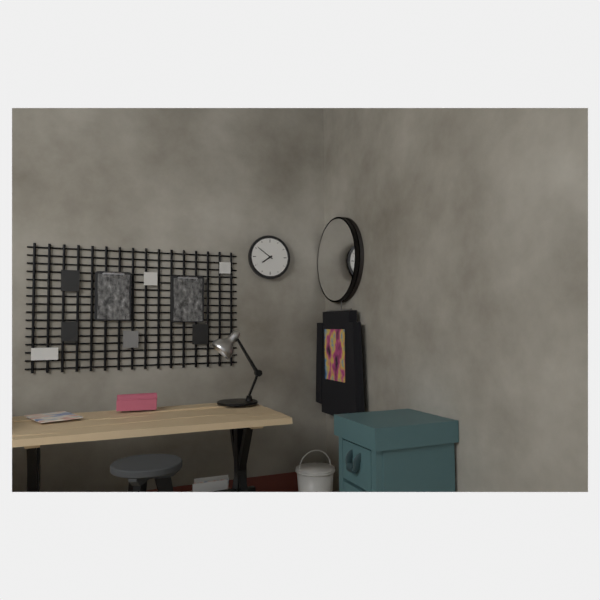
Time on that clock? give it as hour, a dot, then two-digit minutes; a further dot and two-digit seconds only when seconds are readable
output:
7.51
